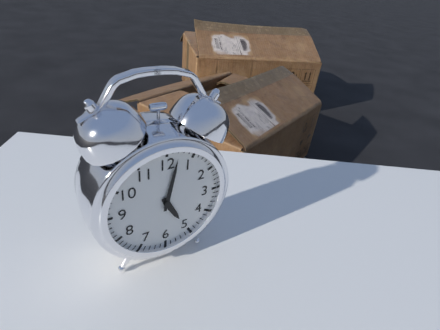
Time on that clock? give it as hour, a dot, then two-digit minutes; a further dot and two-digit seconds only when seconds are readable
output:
5.02
